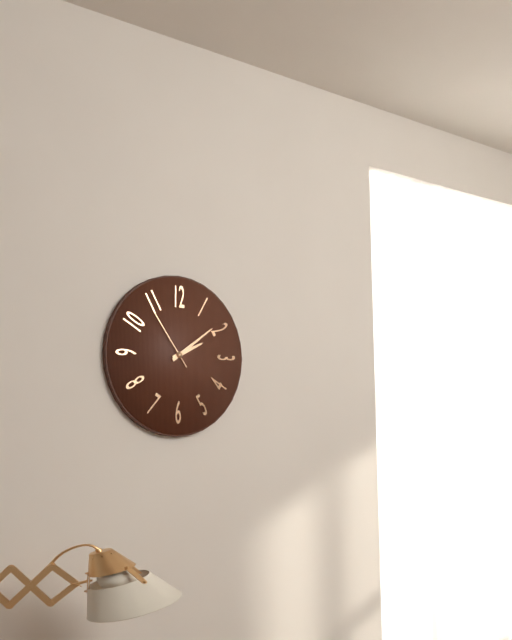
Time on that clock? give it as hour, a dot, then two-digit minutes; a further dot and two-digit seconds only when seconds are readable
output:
2.09.54
